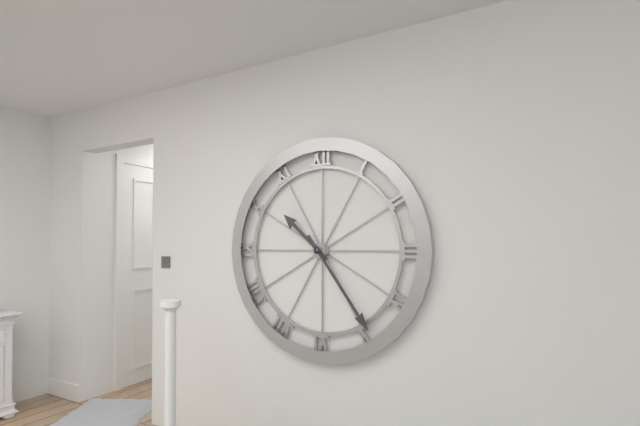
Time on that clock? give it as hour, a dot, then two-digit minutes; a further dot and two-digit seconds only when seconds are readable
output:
10.24
